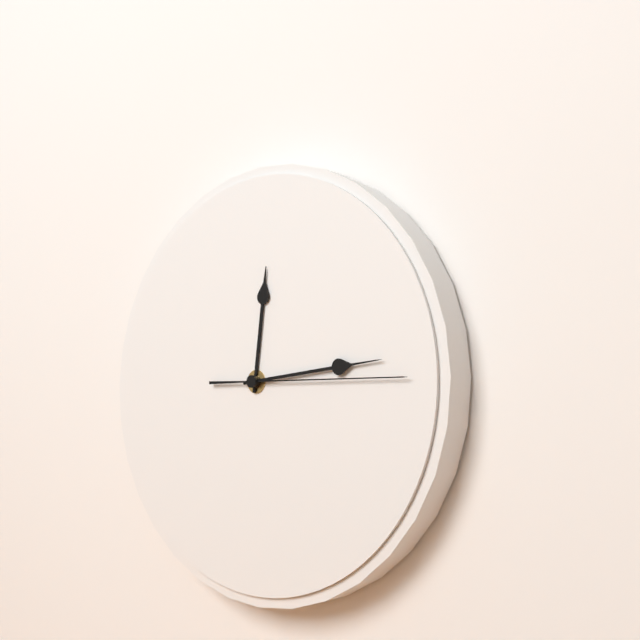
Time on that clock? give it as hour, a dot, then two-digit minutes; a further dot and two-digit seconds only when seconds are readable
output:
12.14.15
